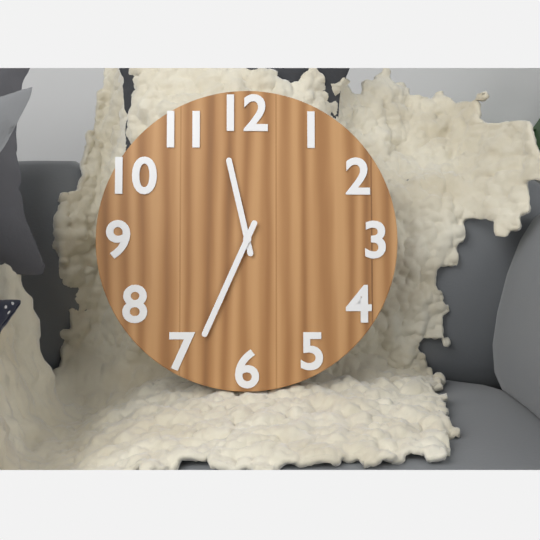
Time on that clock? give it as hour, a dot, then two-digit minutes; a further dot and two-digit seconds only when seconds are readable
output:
11.34
